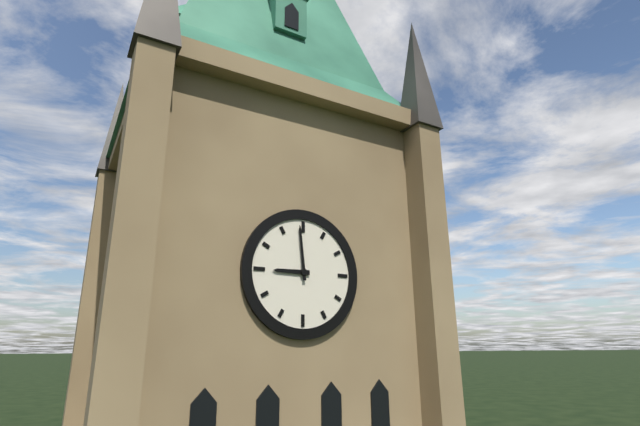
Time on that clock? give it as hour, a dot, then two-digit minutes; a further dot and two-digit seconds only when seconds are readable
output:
8.59
